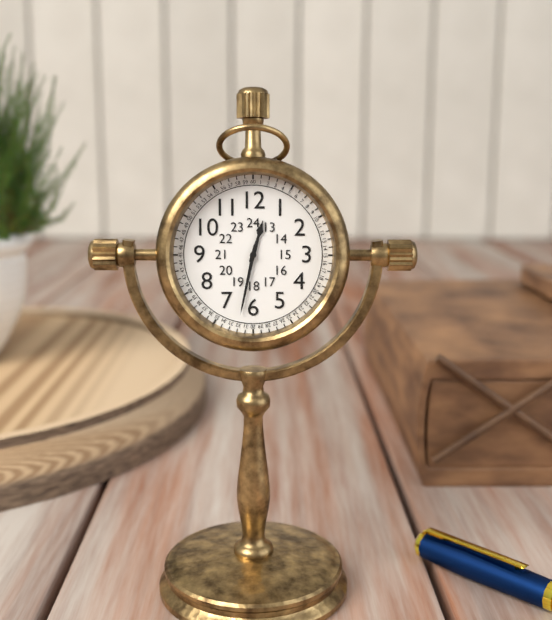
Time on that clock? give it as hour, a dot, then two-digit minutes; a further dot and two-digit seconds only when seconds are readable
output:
12.32
